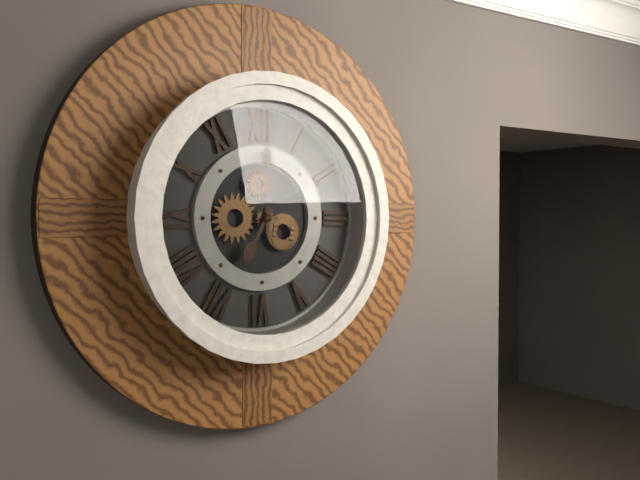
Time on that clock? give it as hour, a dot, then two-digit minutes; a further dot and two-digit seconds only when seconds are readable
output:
7.00
